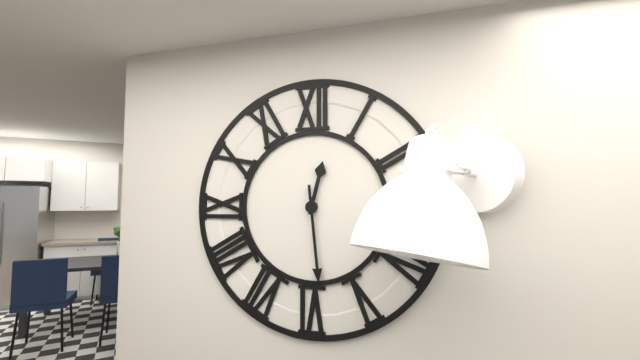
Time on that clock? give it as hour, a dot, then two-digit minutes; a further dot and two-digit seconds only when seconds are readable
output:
12.29
